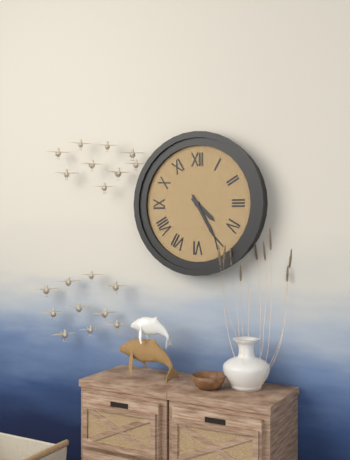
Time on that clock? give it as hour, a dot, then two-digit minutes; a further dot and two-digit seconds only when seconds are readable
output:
4.25
